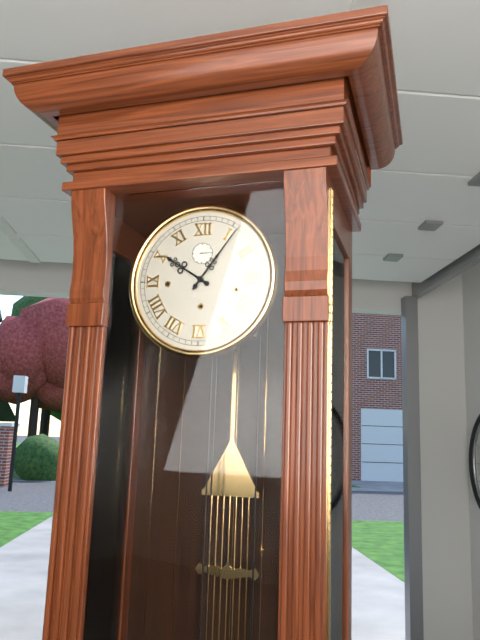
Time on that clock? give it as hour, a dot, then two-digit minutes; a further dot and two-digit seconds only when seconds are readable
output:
10.06
